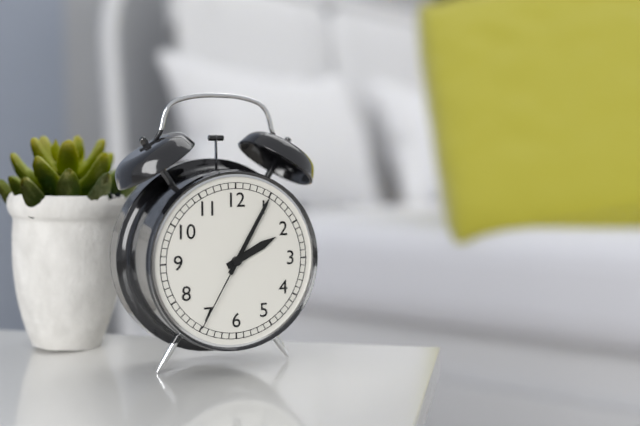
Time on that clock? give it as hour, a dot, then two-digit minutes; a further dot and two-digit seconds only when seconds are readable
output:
2.05.35
